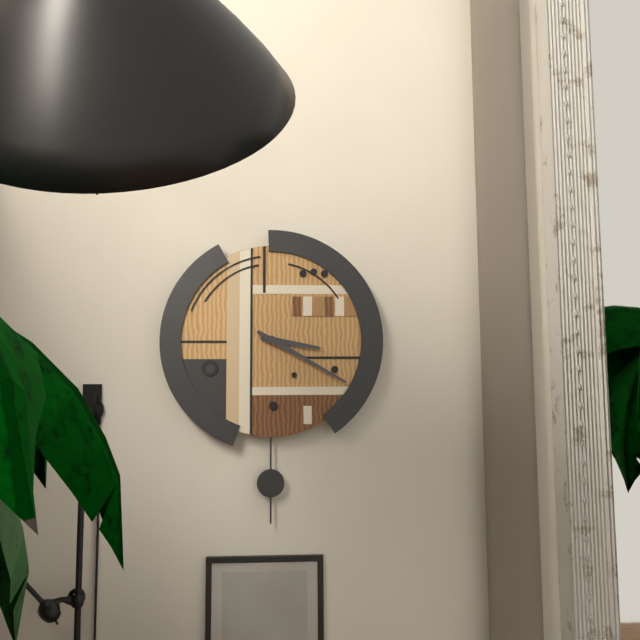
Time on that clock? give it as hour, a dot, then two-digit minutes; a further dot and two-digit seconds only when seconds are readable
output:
3.20
